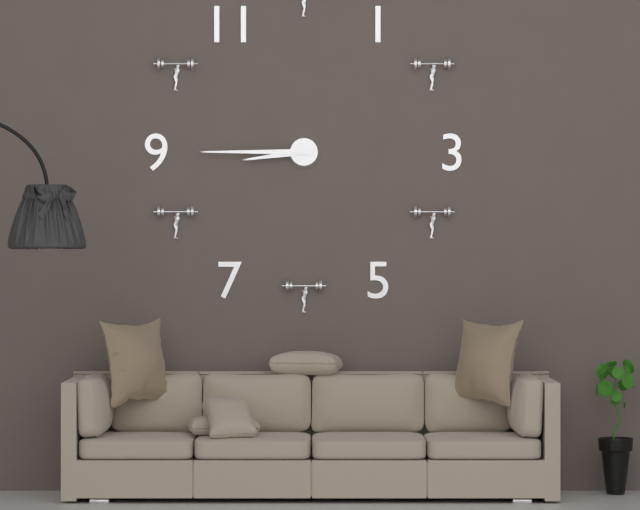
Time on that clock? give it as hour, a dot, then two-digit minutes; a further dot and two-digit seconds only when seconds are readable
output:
8.45
